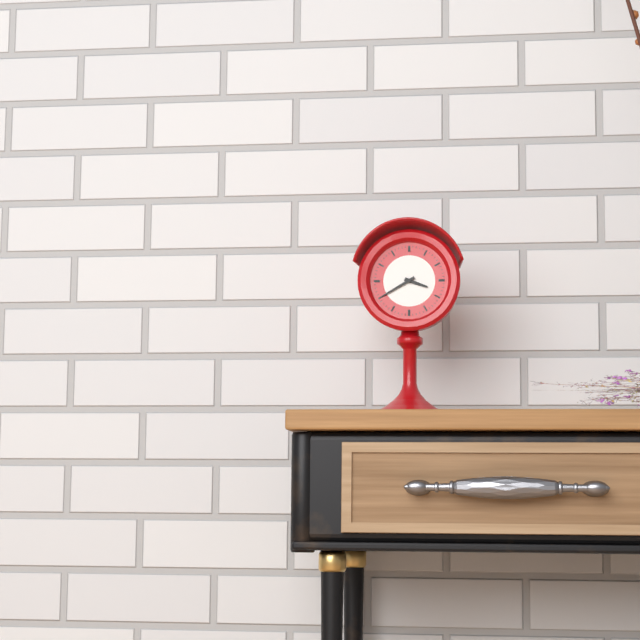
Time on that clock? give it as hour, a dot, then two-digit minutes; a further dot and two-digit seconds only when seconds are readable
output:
3.40
